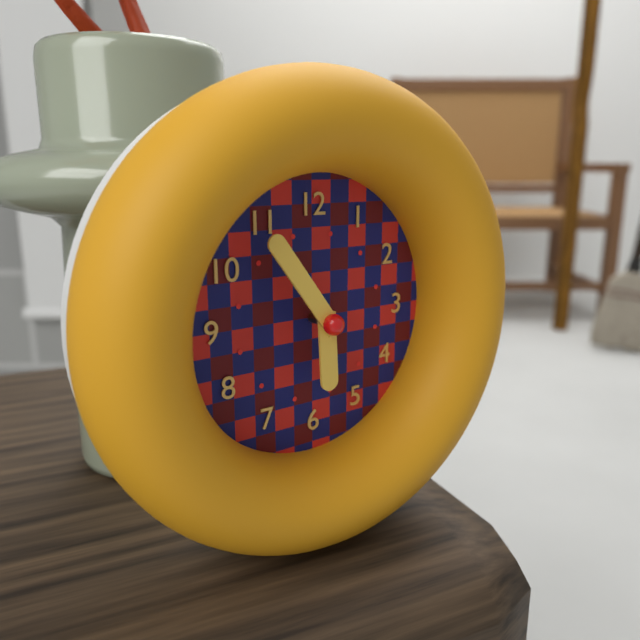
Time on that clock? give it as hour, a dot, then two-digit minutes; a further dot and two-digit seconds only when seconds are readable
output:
5.54
